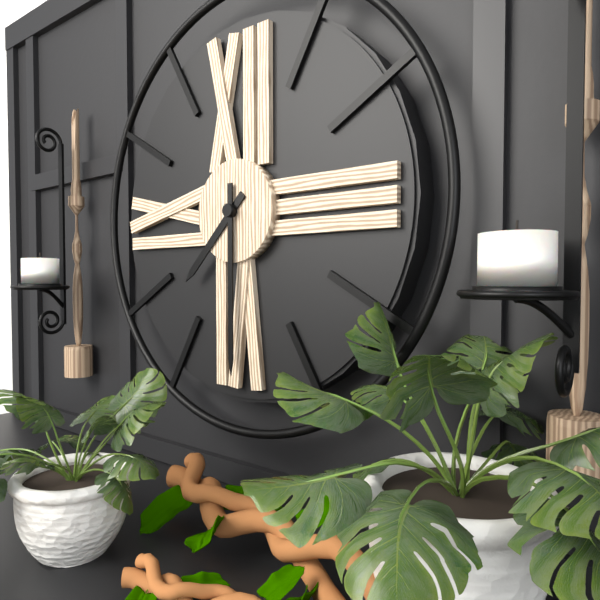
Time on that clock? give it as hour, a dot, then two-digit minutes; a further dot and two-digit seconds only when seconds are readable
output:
7.30
